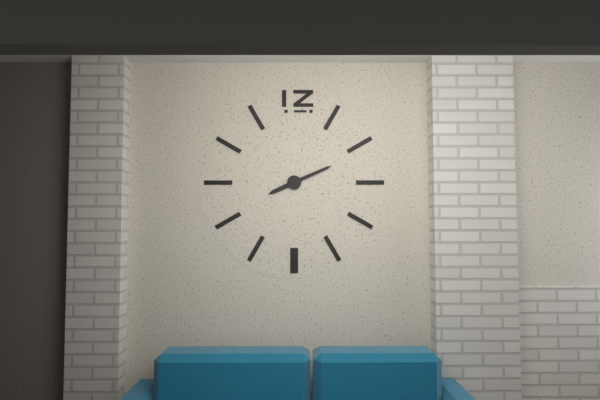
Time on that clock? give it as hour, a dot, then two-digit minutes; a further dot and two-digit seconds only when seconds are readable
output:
8.11
